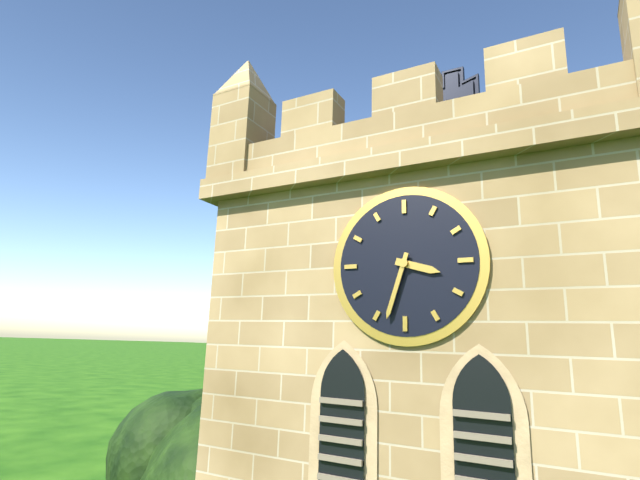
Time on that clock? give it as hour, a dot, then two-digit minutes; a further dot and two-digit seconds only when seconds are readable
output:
3.33
